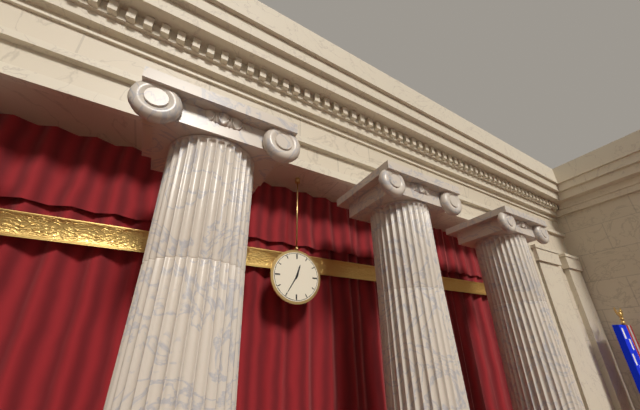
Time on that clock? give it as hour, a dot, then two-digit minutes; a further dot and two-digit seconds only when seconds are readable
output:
12.35
